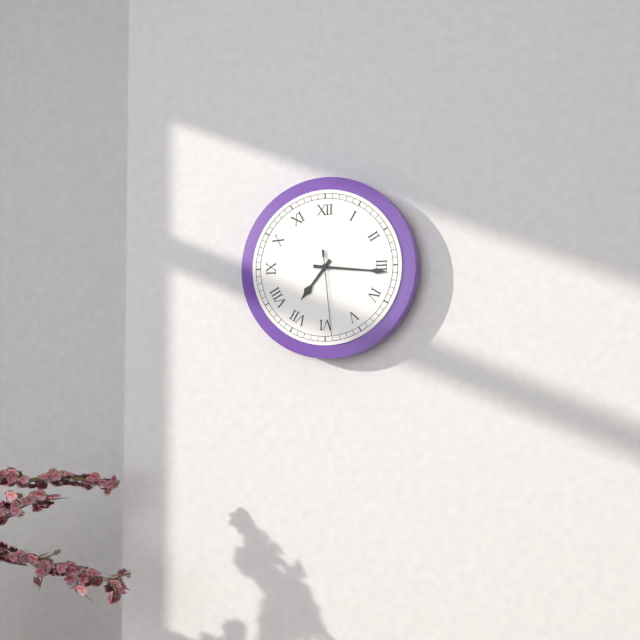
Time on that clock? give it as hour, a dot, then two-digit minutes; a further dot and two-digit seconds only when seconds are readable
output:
7.16.29
